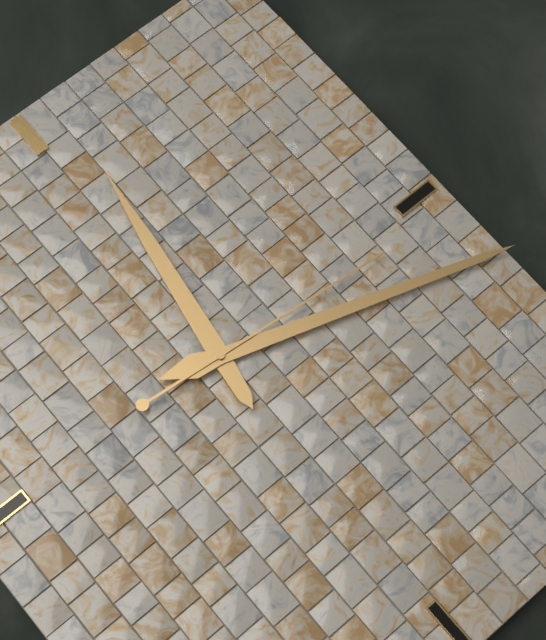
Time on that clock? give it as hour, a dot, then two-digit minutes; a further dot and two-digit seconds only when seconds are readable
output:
12.18.16
